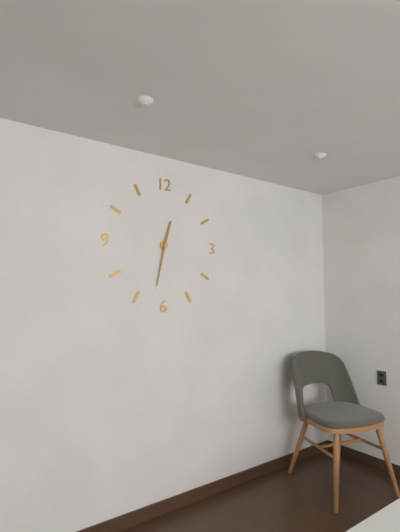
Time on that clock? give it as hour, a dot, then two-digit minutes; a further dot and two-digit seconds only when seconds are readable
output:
12.32
